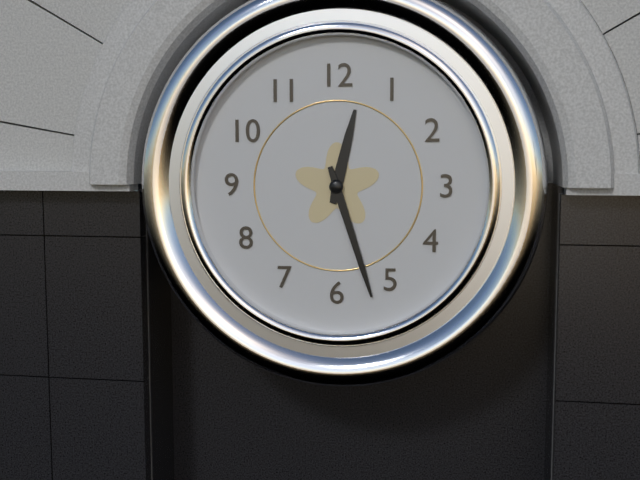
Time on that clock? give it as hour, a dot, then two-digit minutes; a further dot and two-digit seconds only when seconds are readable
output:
12.27
